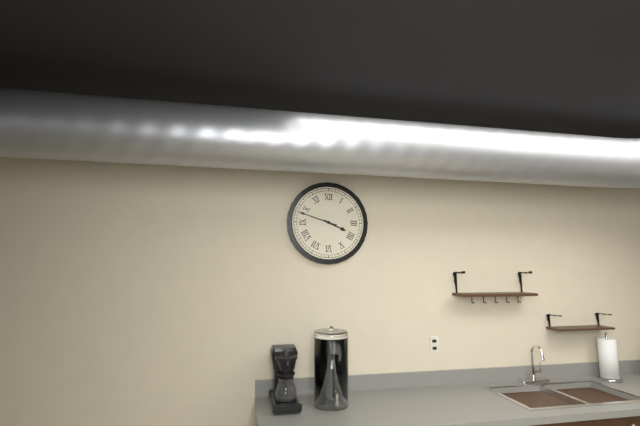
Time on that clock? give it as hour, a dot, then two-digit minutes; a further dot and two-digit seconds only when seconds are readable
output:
3.48
